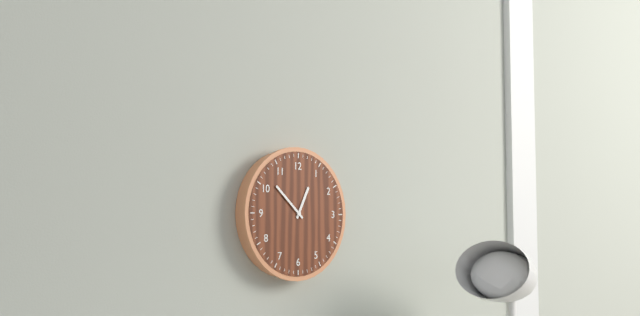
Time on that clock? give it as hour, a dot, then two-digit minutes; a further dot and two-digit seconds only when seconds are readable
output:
12.52
